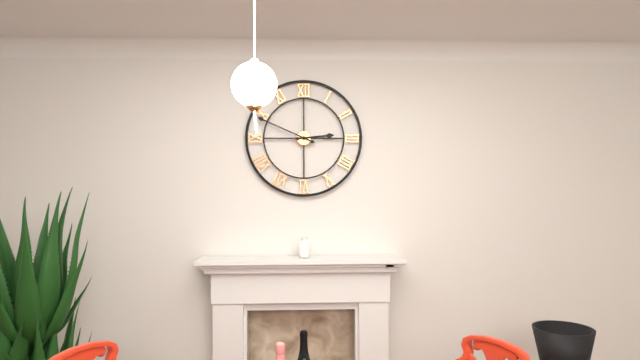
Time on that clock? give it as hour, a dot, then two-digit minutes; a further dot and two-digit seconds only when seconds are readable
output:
2.49
